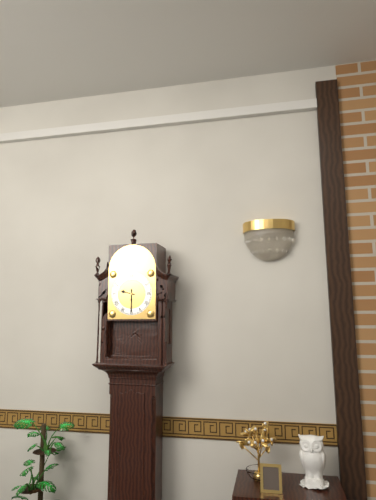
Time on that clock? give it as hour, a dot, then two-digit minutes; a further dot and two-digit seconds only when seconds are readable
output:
9.30
